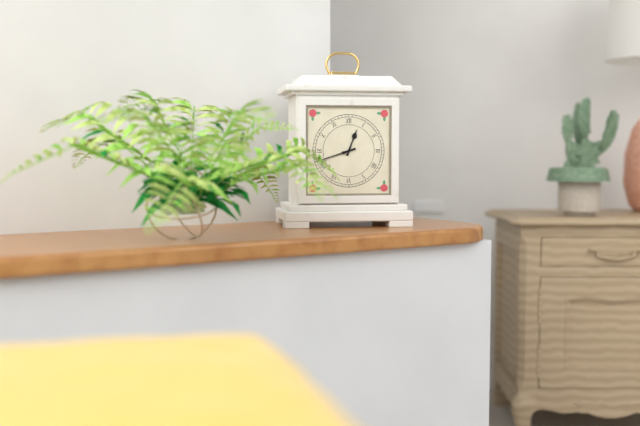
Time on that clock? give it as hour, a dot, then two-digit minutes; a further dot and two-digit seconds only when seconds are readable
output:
12.42
